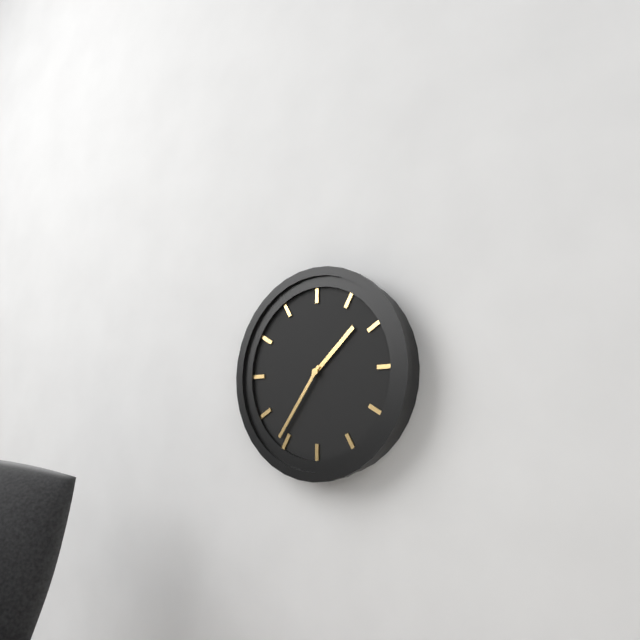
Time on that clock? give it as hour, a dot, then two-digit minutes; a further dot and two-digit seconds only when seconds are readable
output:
1.36
